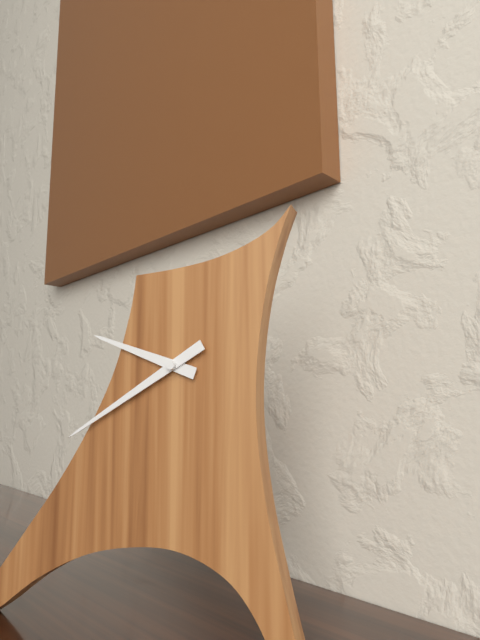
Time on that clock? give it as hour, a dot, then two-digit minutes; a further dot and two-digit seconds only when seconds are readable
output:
9.40
